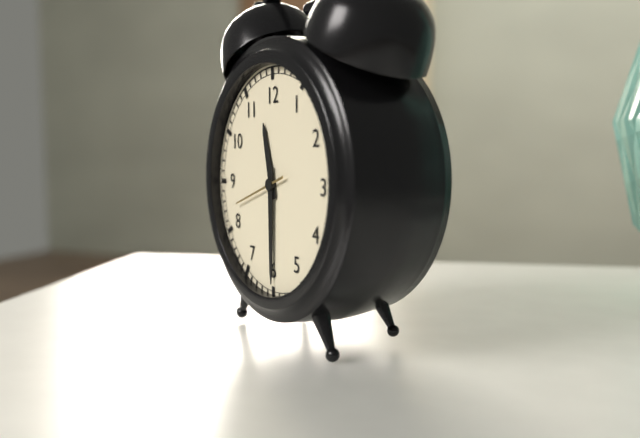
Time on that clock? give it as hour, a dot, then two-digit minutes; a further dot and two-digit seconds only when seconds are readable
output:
11.30.42
